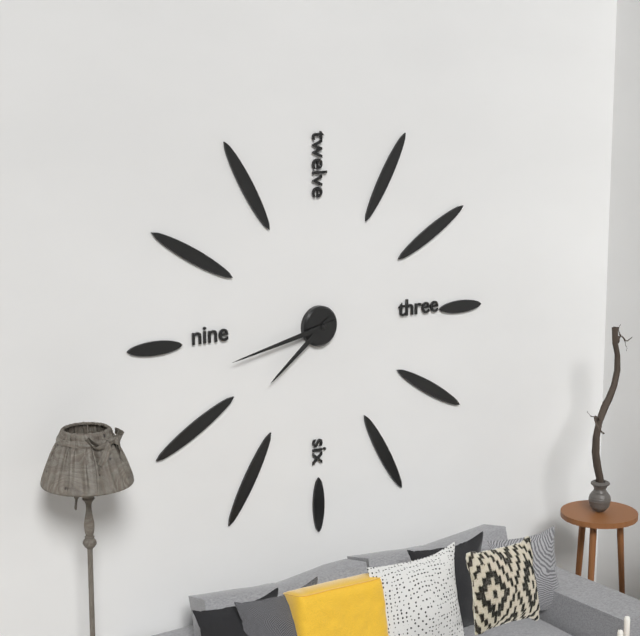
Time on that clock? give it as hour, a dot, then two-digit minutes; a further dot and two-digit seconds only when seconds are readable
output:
7.43
